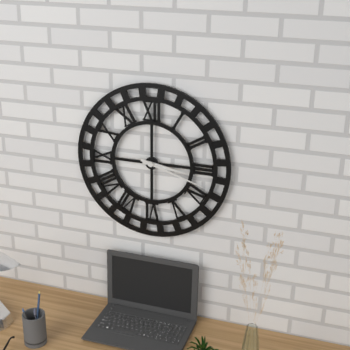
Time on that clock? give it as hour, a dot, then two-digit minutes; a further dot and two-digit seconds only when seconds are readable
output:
3.18
